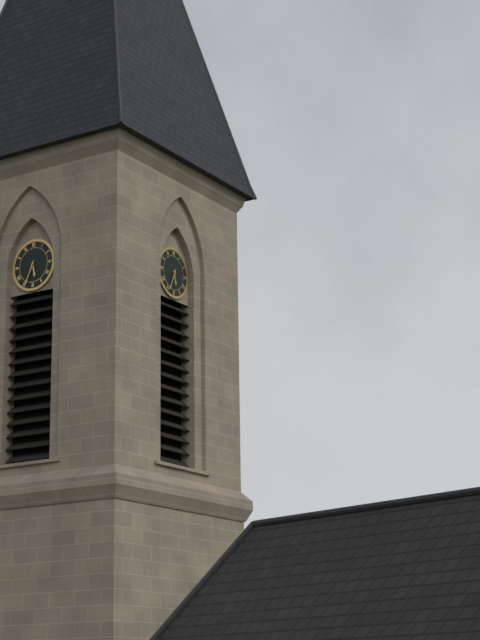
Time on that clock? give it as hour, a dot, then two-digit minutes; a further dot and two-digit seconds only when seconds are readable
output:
5.34
